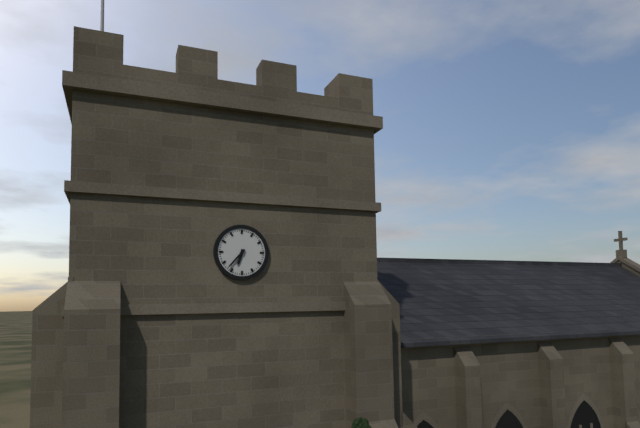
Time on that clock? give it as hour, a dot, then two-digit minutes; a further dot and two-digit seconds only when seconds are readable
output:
6.37
